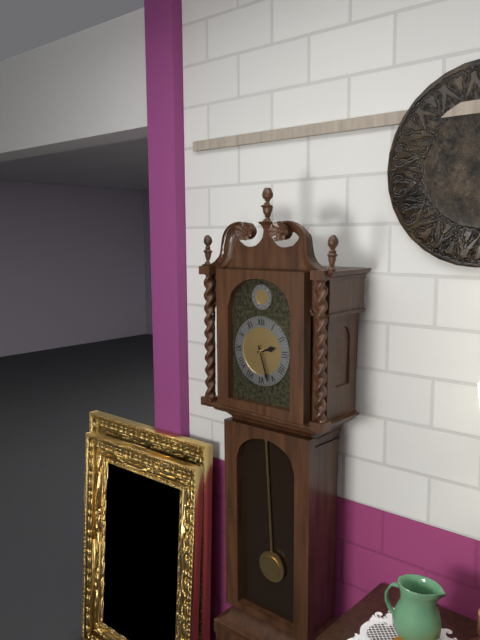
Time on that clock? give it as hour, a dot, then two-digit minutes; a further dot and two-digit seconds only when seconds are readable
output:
2.27
